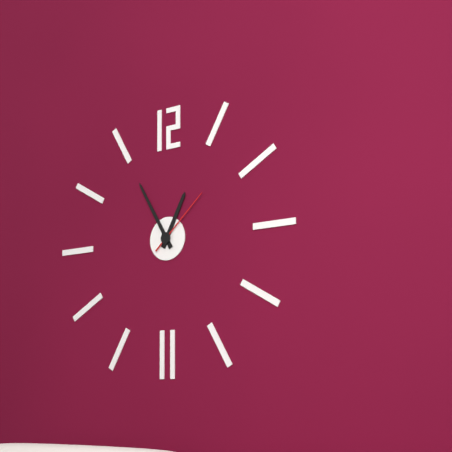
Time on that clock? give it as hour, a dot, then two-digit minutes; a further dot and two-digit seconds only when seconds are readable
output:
12.55.08
